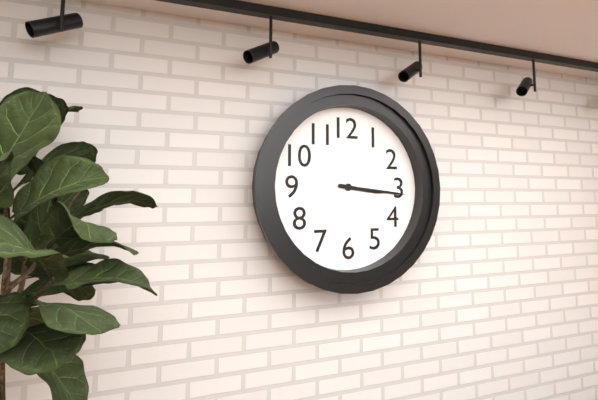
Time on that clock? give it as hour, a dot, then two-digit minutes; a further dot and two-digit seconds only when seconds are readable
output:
3.16
